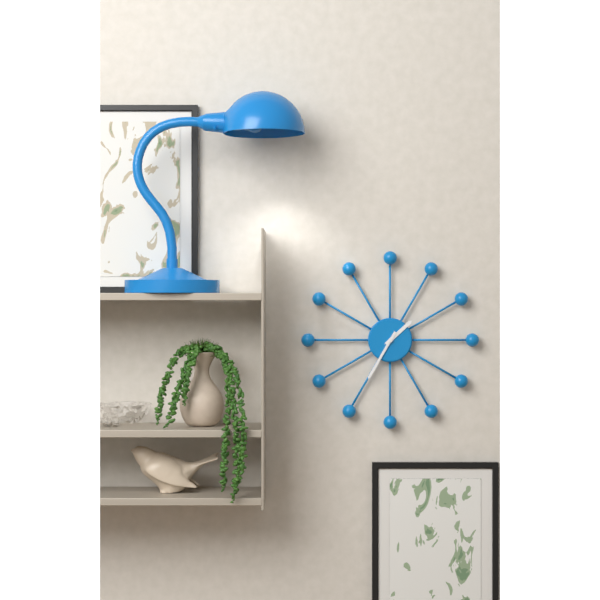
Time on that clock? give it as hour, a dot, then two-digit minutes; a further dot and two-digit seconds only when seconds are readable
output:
1.35
